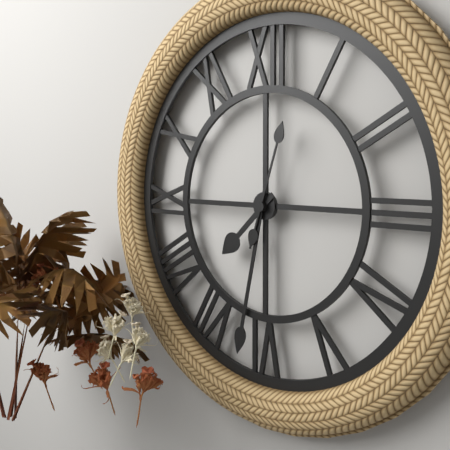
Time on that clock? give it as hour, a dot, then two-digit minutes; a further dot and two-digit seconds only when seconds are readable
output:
7.32.03
